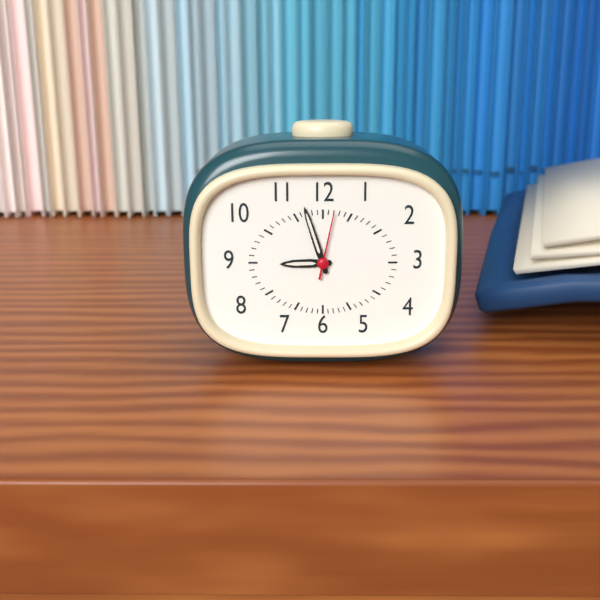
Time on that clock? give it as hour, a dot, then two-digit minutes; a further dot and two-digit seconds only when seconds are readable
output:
8.57.02
